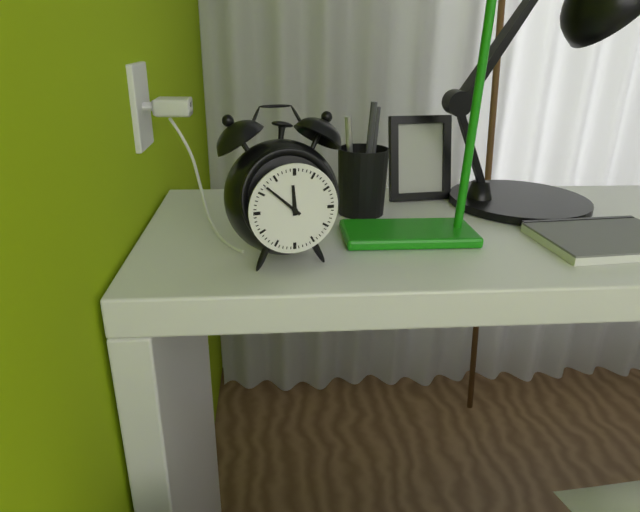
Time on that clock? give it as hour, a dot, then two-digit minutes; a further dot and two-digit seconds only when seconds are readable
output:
11.52
